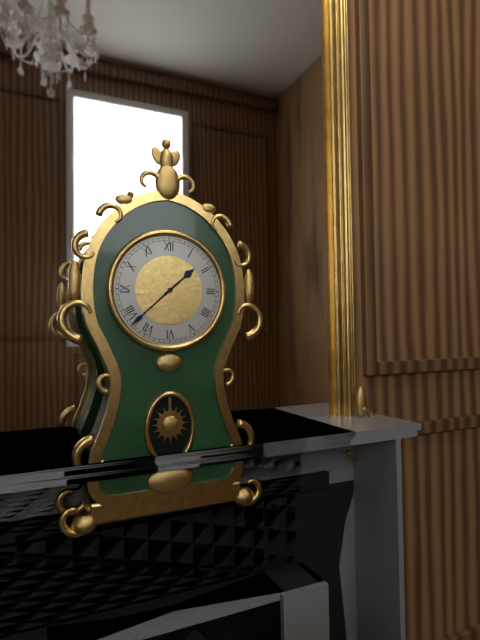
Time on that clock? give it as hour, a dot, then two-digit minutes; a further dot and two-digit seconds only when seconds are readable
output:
1.38
